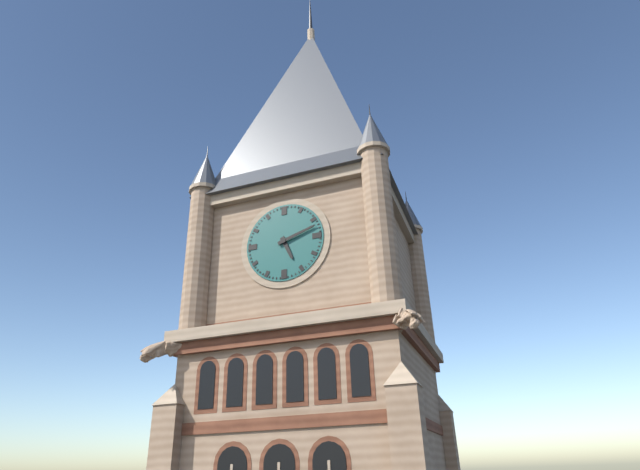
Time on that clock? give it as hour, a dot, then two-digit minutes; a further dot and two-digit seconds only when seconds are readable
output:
5.12
